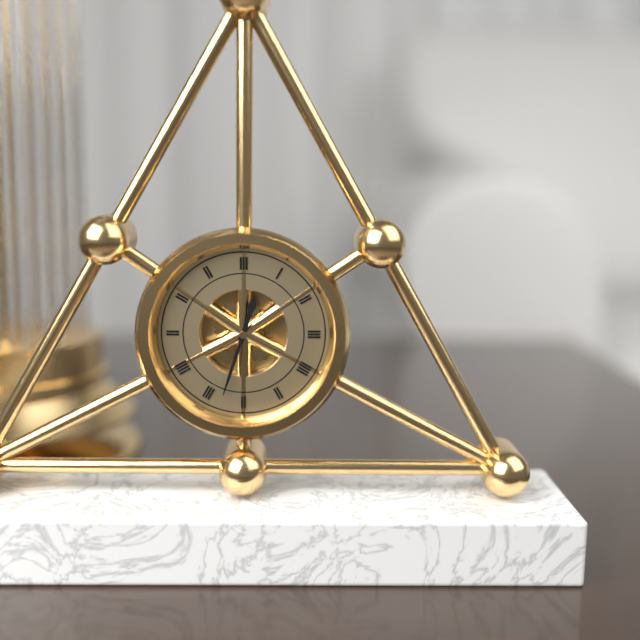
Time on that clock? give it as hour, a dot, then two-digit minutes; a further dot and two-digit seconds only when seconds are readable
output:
12.33
